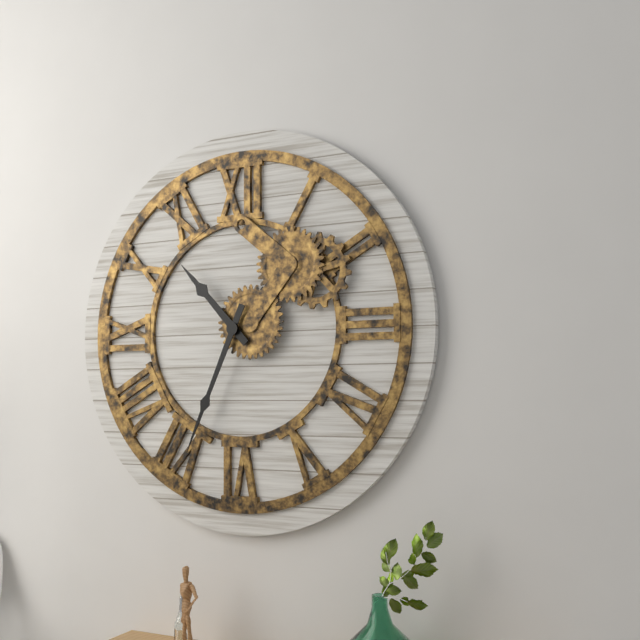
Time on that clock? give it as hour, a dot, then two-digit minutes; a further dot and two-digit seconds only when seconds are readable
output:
10.34
